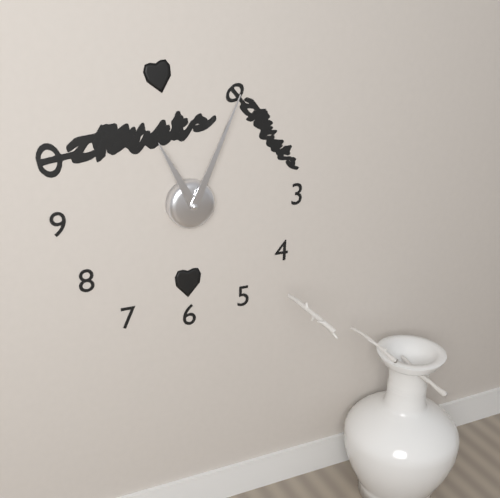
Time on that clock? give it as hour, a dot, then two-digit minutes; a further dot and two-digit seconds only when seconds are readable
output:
11.04
